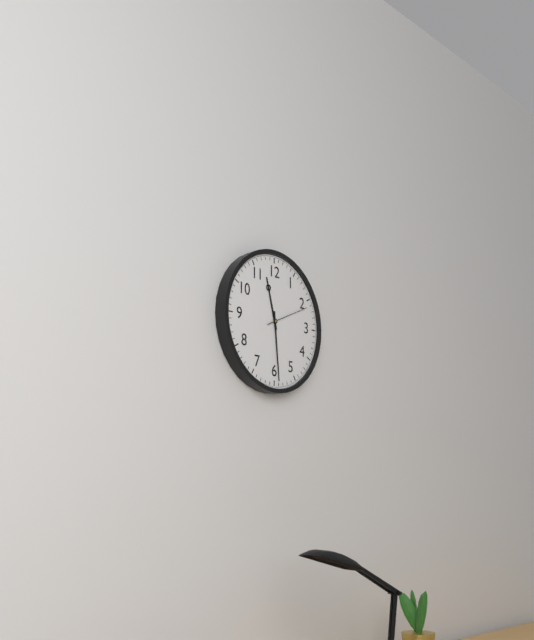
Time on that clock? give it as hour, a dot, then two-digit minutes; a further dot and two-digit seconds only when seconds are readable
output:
11.29
